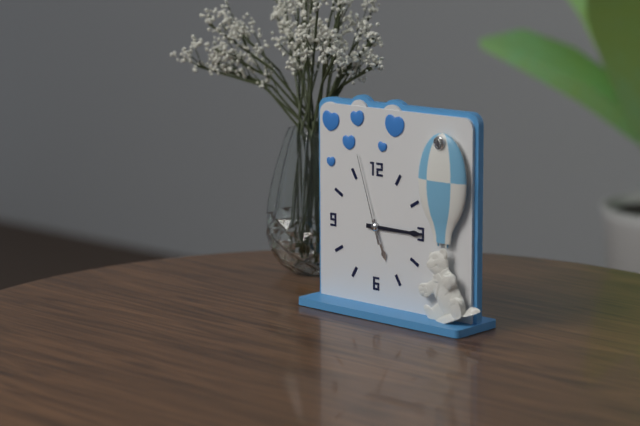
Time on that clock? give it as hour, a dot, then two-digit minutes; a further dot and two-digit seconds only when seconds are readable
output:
5.15.57
